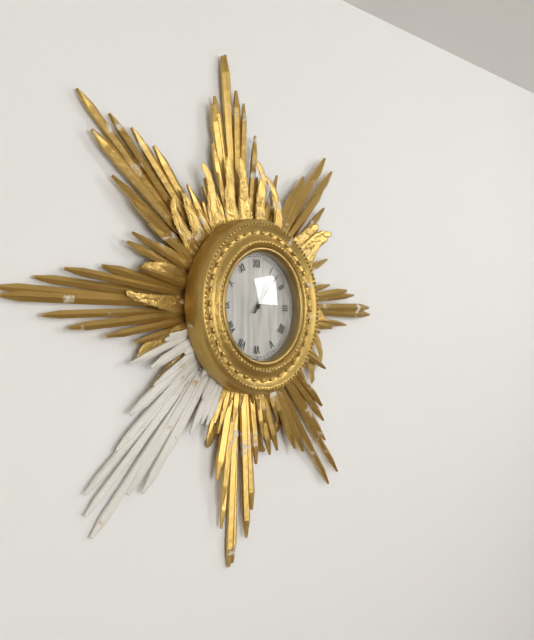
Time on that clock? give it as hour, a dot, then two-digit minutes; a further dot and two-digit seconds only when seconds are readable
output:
1.07
